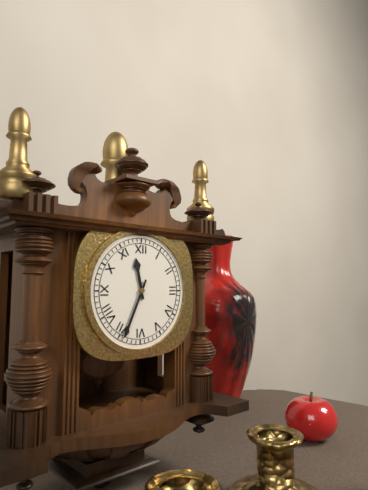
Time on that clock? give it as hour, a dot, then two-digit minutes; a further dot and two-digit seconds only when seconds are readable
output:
11.34
